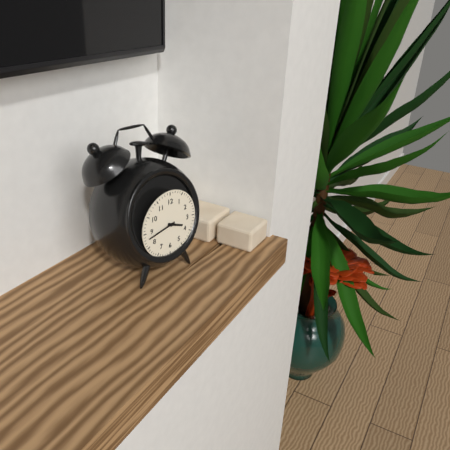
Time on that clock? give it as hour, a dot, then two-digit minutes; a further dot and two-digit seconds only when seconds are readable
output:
3.43
